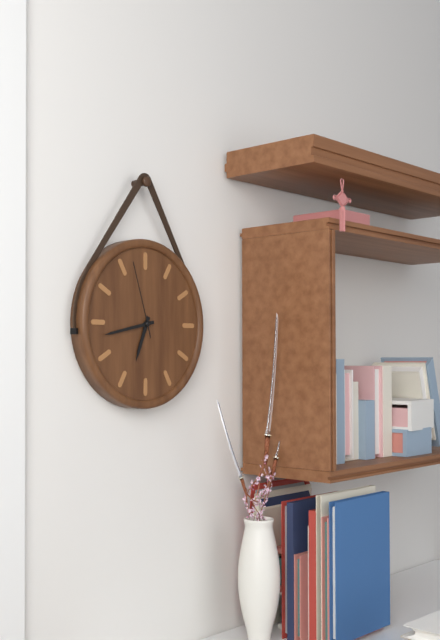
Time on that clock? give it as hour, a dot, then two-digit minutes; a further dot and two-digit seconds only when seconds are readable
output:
6.43.57
